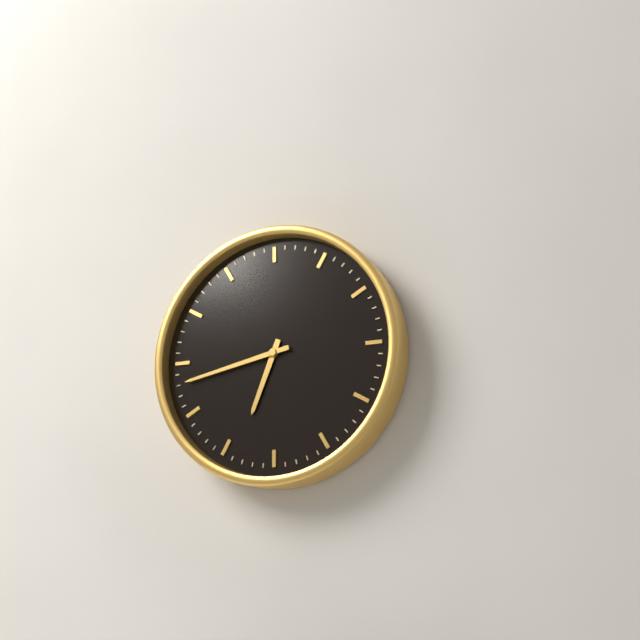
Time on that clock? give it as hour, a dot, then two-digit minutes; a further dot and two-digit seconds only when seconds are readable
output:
6.43
